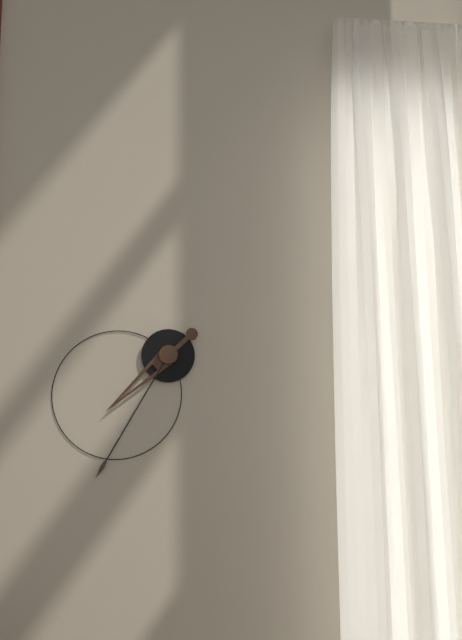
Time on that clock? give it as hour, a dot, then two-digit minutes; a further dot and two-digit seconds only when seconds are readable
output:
7.35
